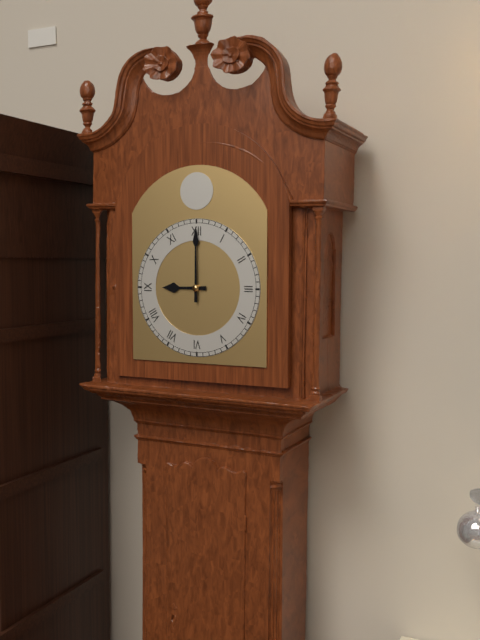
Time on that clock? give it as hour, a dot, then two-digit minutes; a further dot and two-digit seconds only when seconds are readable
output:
9.00
